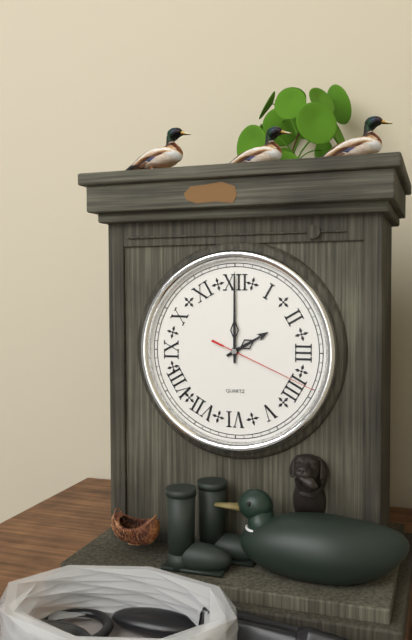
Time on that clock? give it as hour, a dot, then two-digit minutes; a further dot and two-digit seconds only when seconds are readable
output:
2.00.19
